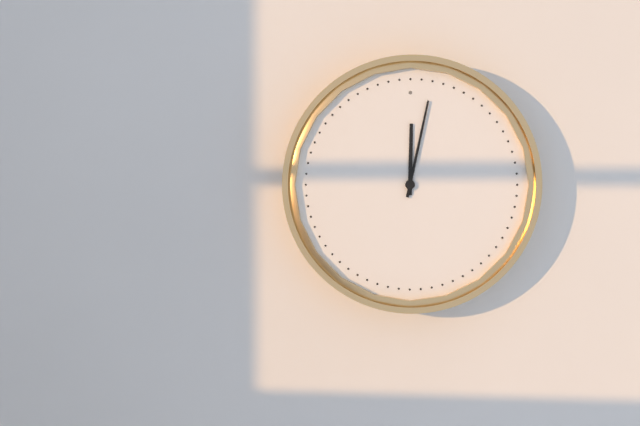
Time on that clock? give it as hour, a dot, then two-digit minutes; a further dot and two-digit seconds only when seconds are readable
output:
12.02
